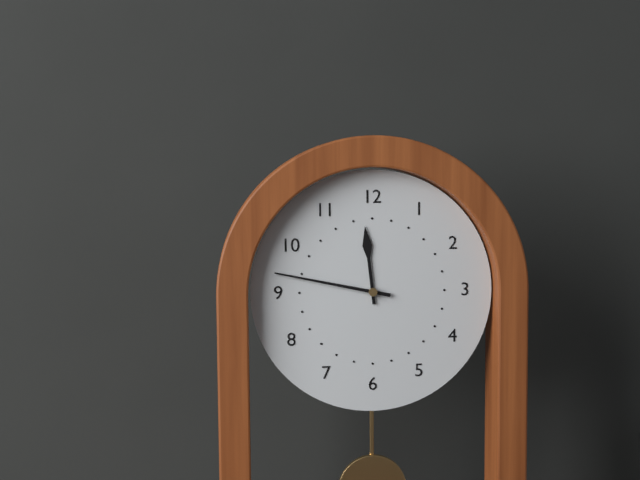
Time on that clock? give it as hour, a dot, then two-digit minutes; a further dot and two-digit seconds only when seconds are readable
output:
11.47
